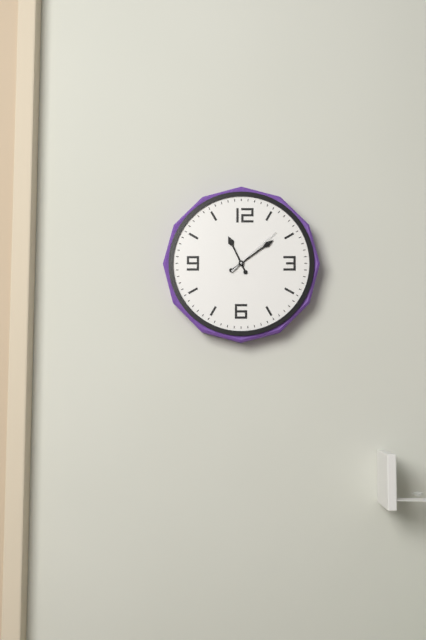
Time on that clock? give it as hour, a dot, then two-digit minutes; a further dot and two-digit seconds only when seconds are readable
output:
11.09.08
